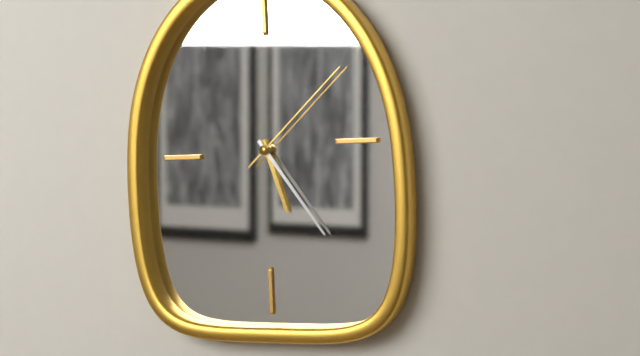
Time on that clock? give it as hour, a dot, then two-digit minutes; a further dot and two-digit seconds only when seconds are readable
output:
5.24.08
